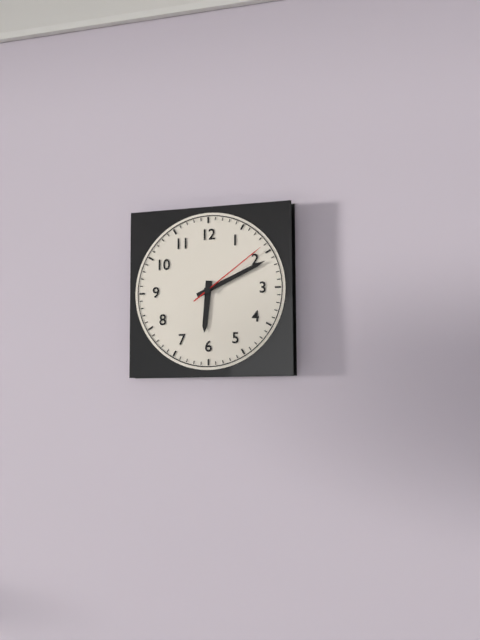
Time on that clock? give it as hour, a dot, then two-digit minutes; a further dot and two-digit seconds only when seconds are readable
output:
6.11.09
